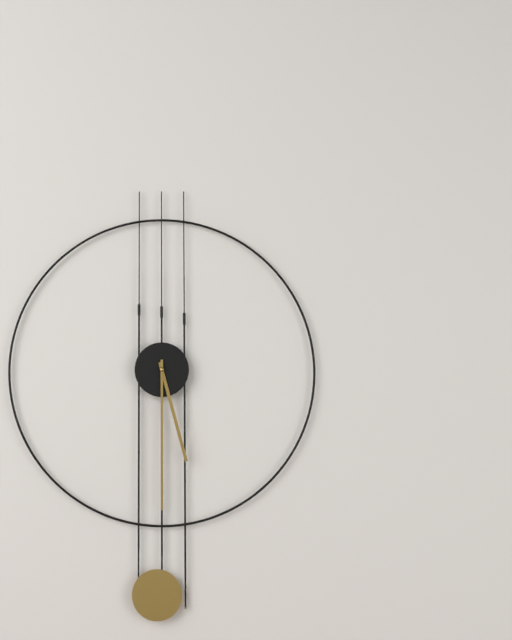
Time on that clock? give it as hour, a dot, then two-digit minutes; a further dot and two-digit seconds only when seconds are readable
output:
5.30
